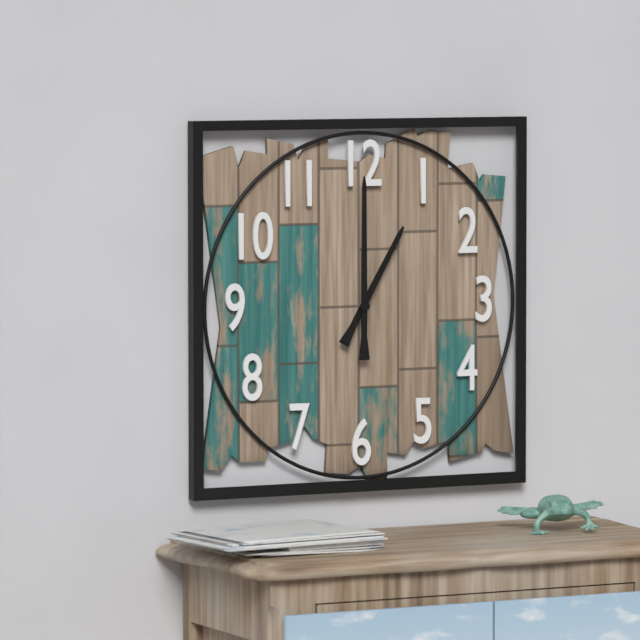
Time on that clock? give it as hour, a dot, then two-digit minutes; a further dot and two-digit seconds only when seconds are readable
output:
1.00
